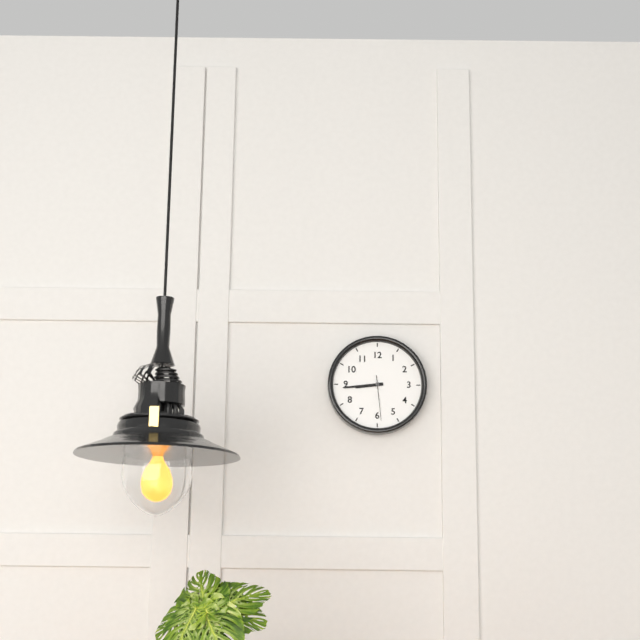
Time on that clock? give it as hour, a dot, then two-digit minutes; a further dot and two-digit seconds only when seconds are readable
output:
8.44
